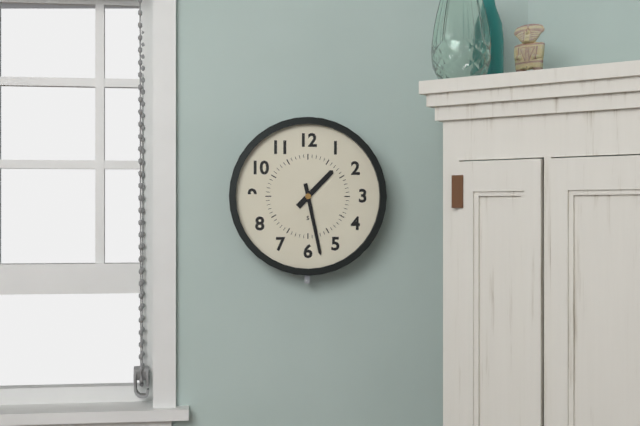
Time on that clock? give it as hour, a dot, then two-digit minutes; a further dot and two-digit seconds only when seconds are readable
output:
1.28
